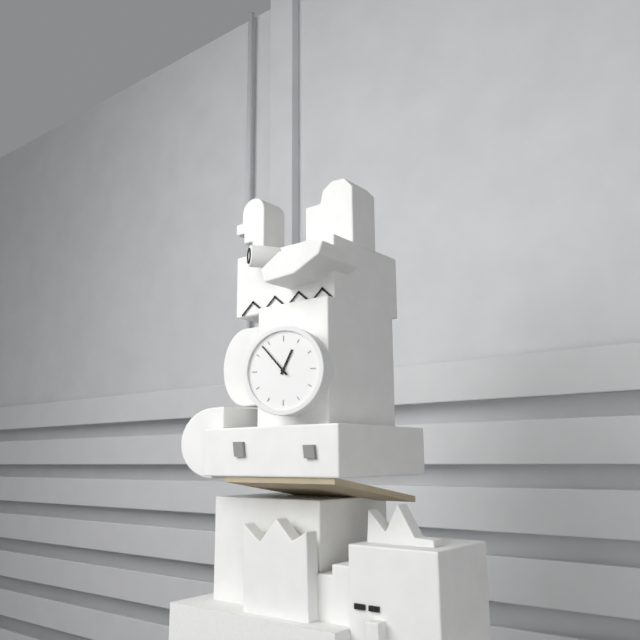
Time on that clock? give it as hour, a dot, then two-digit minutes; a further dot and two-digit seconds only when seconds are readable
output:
12.53
